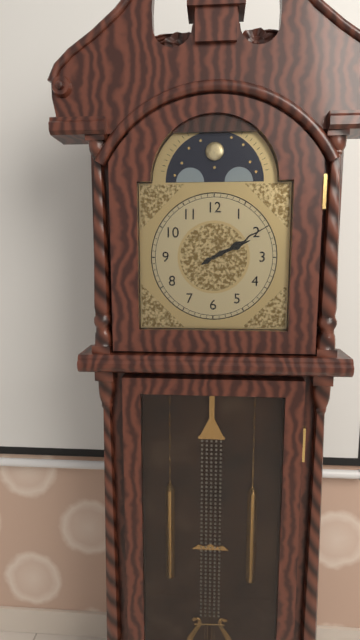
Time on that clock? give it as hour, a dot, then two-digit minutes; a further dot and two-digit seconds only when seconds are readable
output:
2.10
